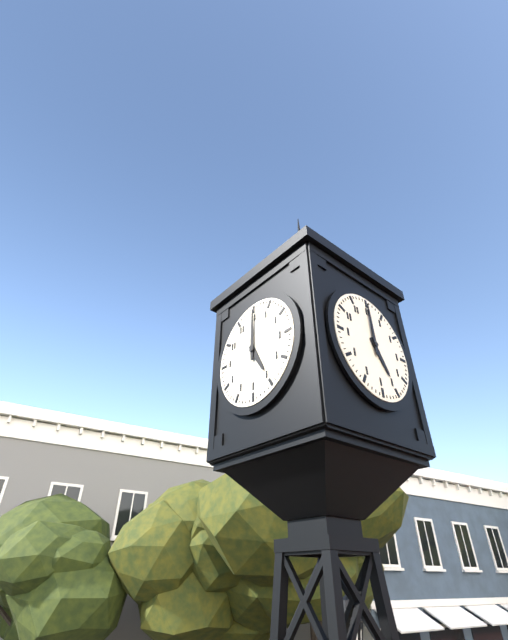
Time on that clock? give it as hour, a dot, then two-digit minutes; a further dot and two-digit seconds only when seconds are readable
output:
5.00
